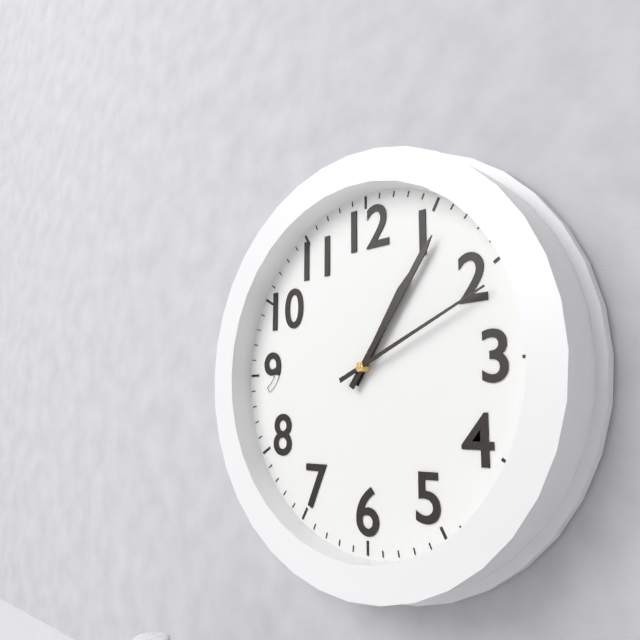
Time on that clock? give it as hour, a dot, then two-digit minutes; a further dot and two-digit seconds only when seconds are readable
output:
1.06.11
